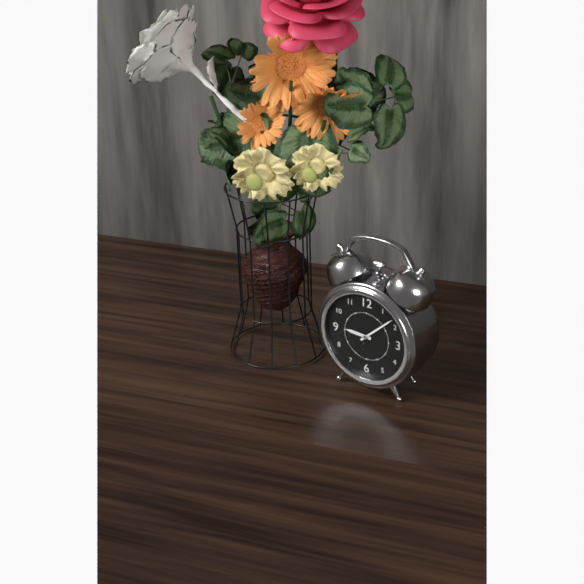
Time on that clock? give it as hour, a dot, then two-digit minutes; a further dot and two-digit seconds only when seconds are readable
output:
9.08
